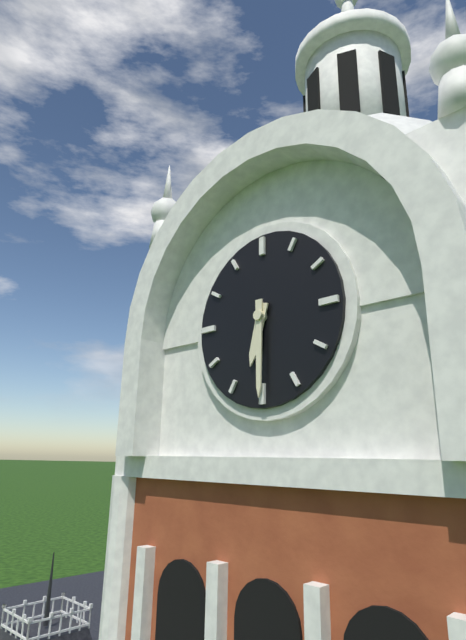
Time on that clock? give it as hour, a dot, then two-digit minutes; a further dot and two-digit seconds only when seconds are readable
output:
6.30
